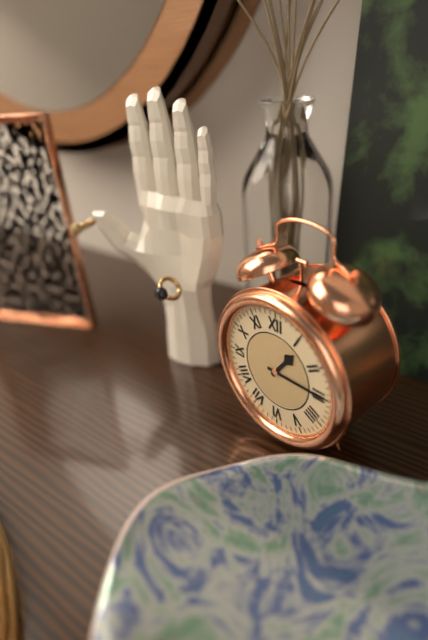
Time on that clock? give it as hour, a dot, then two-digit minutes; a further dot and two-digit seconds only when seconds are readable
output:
1.15
